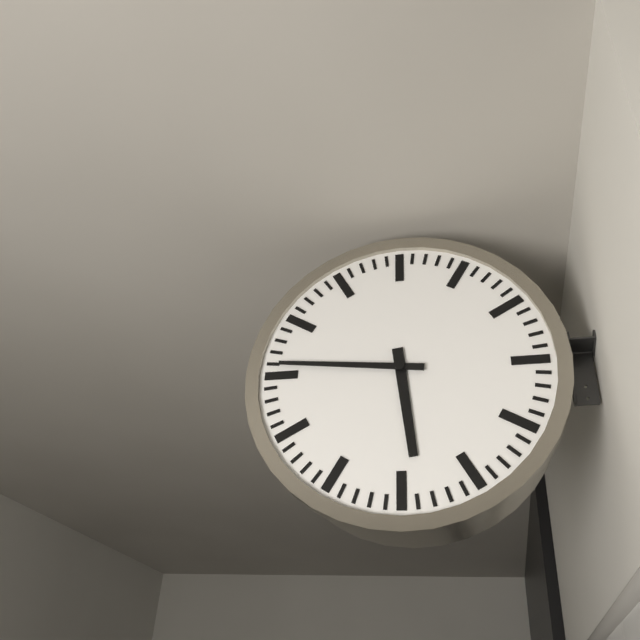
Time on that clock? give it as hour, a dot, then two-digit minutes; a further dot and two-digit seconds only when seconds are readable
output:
5.46
